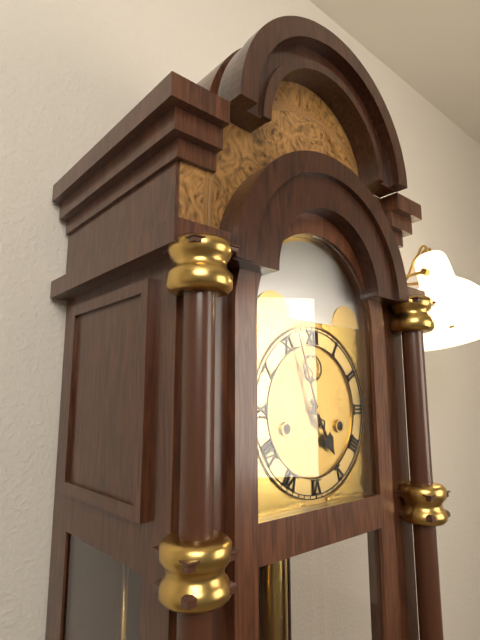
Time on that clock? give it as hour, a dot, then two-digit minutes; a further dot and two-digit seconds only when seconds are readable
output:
4.57
